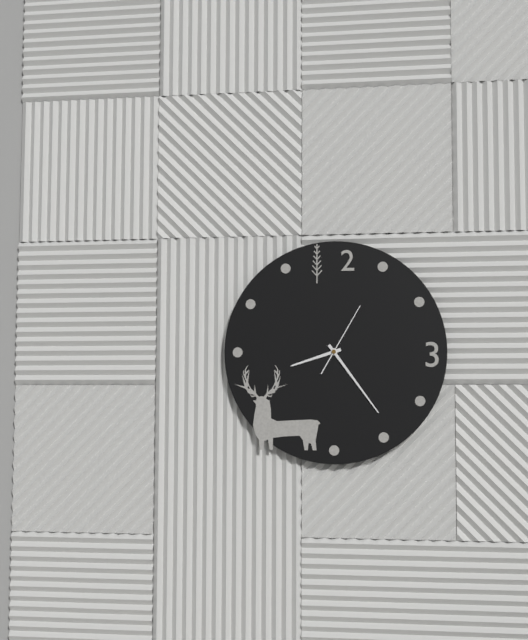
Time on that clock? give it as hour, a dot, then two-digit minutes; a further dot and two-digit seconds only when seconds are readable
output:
8.24.05
